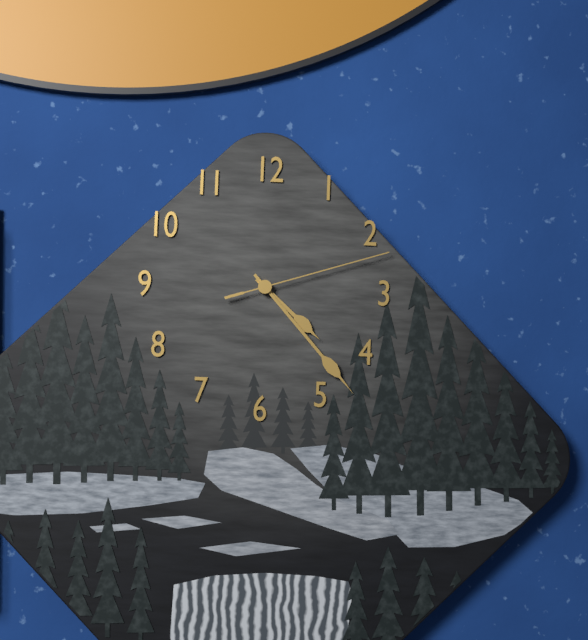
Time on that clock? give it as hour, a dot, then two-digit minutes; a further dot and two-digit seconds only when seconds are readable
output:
4.23.12
